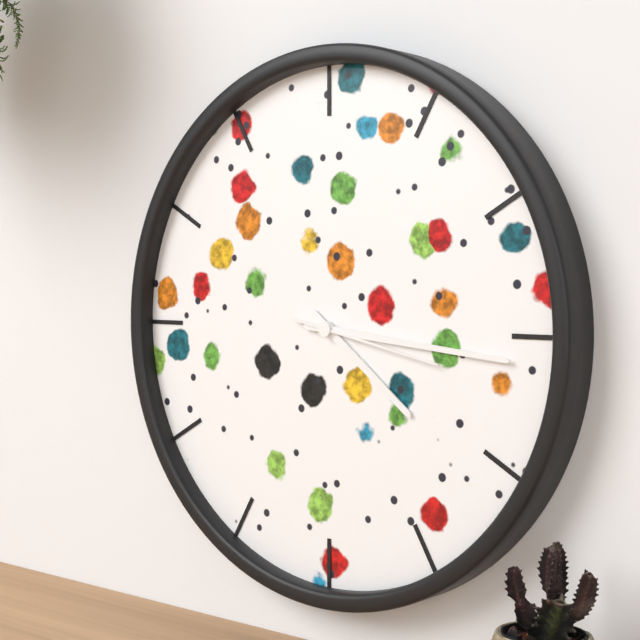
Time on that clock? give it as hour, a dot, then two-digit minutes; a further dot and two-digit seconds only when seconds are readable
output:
4.16.17
